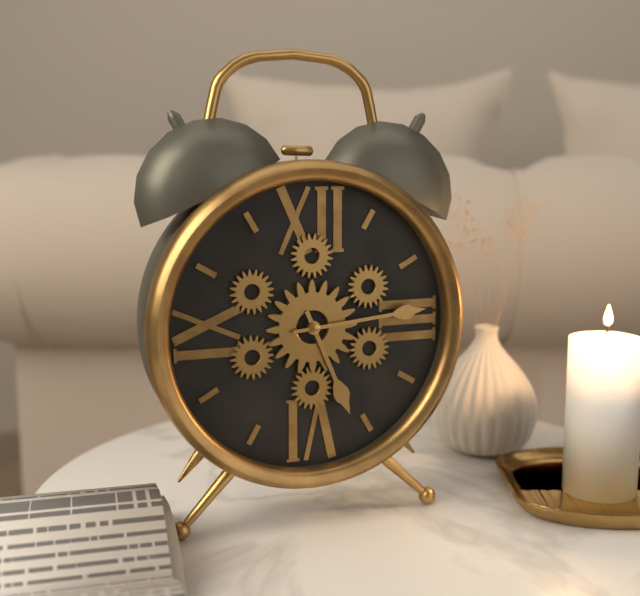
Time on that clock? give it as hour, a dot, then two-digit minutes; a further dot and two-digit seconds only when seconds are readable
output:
5.14
